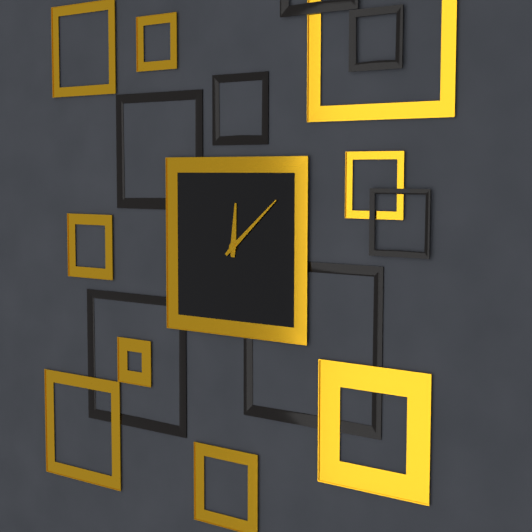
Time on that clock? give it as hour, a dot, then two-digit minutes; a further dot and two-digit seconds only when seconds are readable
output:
12.08
